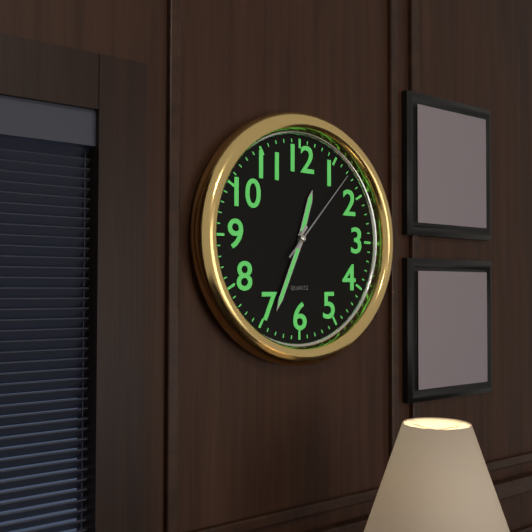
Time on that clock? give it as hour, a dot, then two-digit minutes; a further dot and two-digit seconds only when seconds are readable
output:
12.34.07
